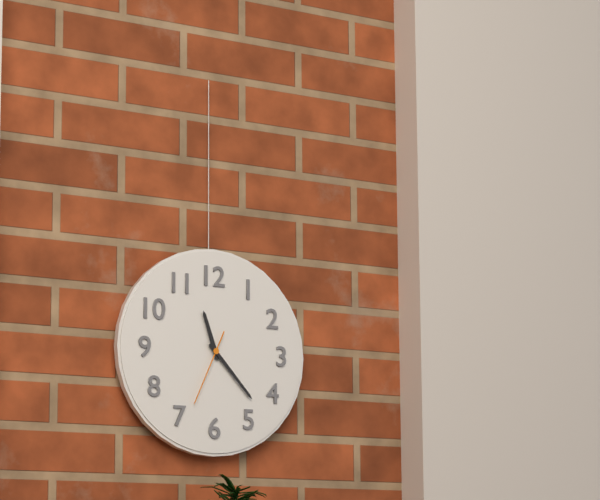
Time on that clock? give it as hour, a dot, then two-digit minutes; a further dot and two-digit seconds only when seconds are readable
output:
11.23.34
